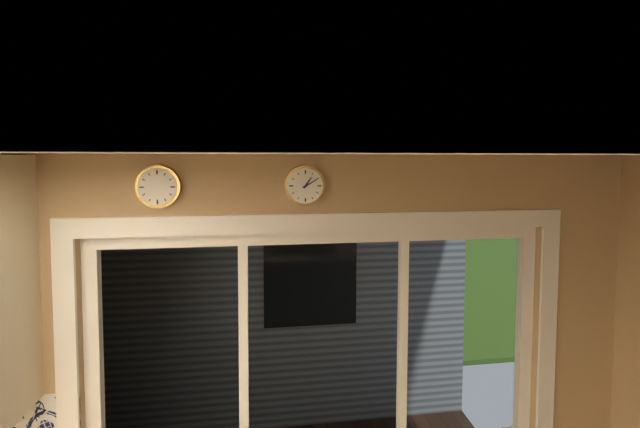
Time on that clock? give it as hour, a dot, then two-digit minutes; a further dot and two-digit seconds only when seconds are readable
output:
1.10
